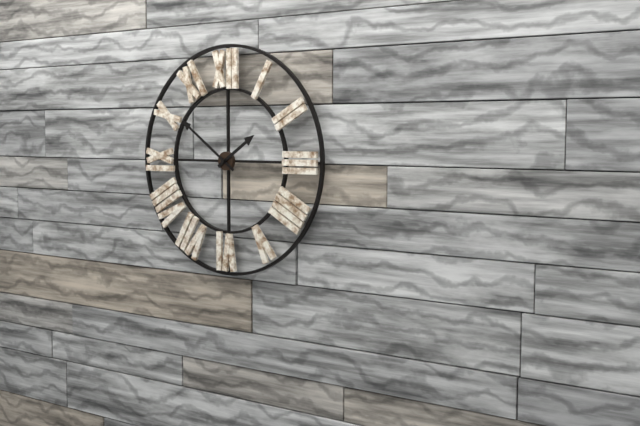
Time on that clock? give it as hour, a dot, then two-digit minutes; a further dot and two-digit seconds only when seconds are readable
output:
1.51
